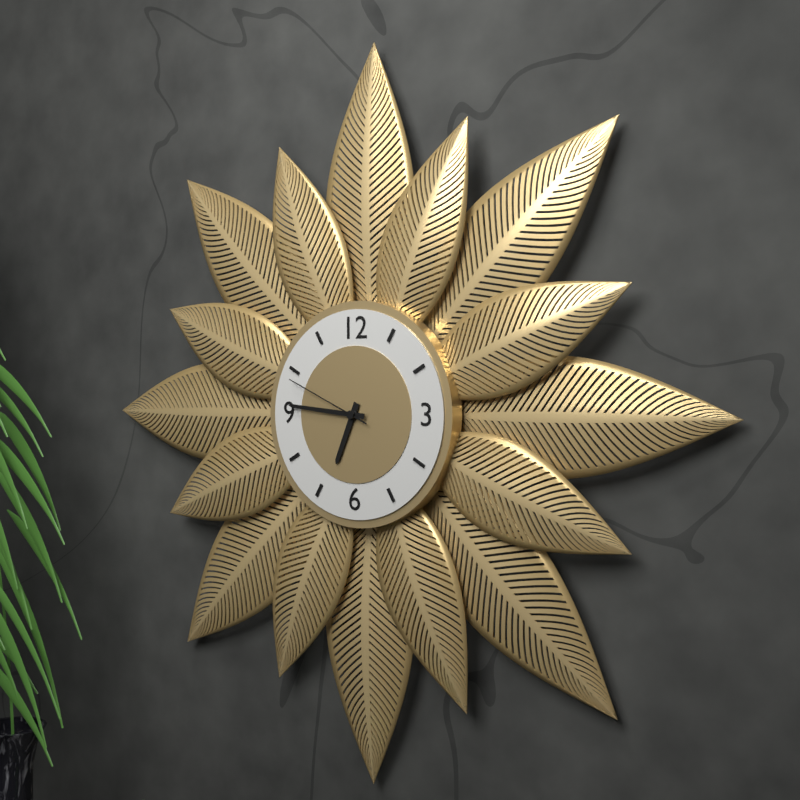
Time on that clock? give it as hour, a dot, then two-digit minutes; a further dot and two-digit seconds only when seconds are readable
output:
6.46.49
